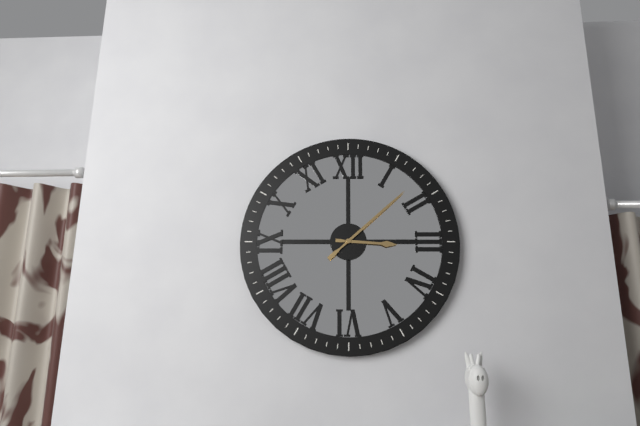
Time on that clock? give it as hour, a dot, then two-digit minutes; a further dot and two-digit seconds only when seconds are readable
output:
3.08
